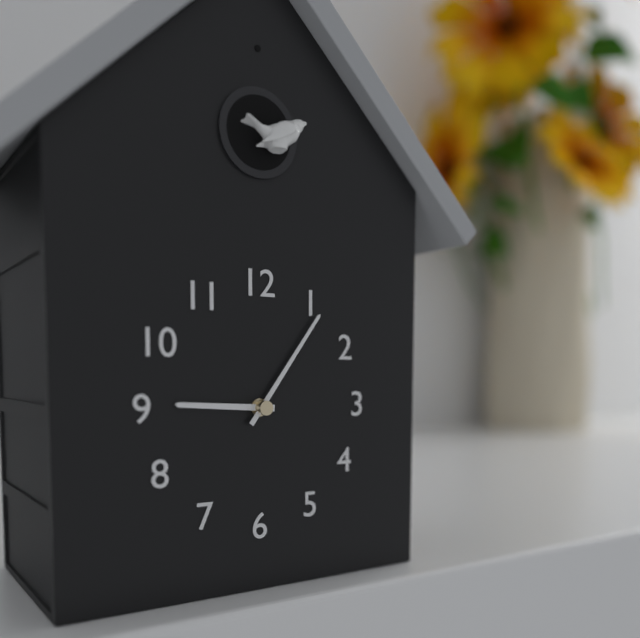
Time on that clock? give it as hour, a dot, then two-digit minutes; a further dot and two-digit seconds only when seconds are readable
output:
9.06
